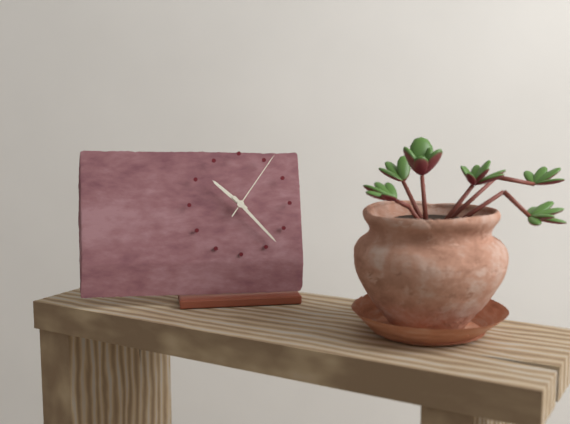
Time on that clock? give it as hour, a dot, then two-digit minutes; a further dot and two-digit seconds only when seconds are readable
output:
10.23.06
